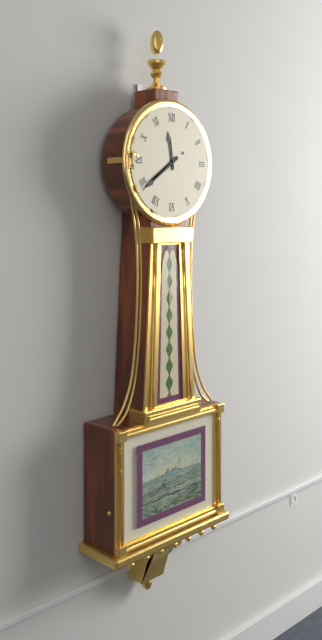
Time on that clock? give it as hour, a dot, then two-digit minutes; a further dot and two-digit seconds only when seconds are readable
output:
11.39
